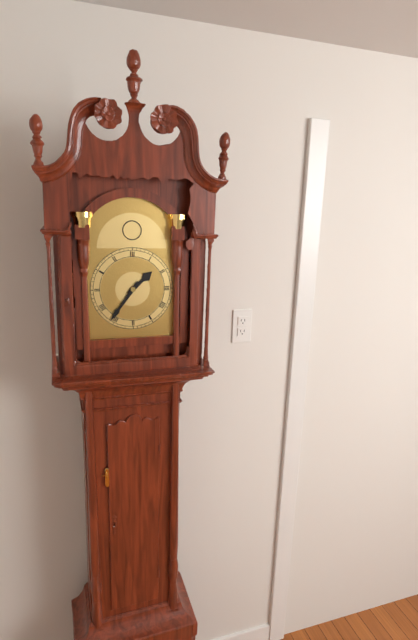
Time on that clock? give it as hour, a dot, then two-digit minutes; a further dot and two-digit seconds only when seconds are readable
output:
1.36
